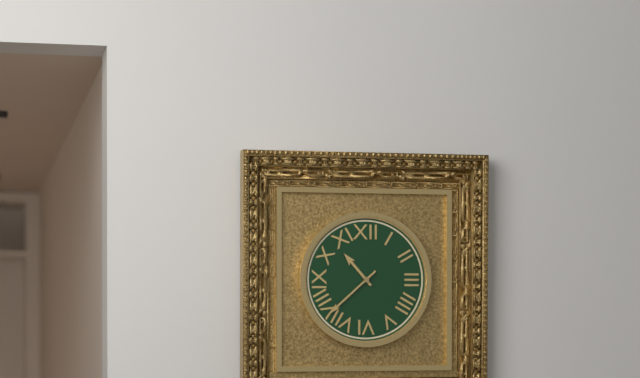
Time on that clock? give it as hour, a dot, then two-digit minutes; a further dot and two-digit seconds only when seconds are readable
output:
10.38
